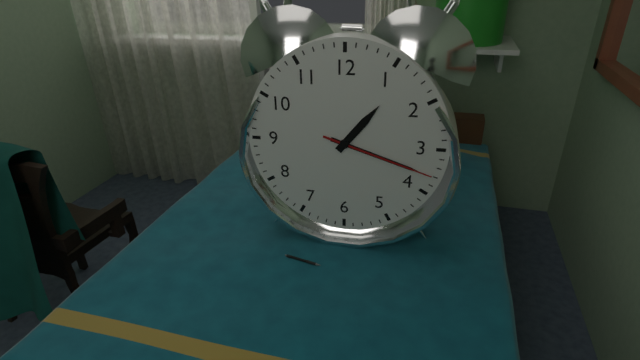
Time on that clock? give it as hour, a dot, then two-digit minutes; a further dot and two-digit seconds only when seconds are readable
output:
1.18.18
